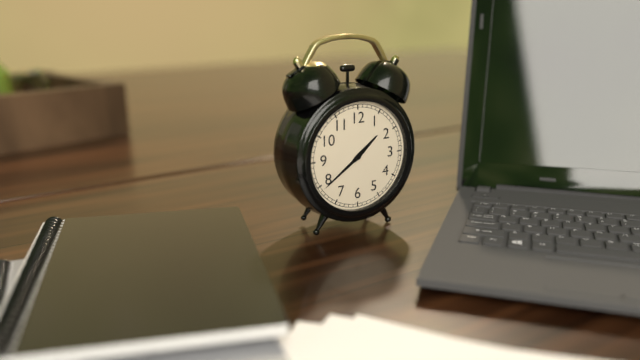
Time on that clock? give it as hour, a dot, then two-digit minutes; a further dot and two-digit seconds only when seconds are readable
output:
1.39
